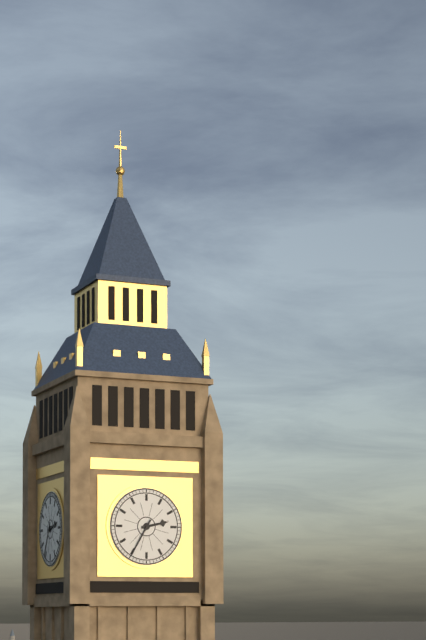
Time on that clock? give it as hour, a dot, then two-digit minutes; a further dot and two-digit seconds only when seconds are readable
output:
2.35
